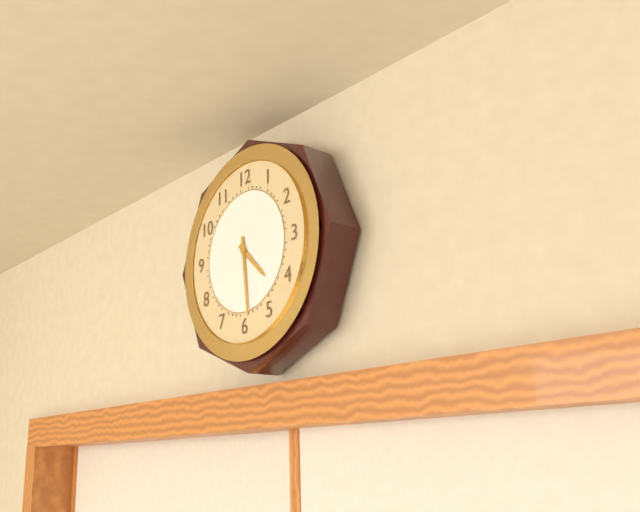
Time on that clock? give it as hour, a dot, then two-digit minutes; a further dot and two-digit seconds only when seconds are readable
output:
4.29
